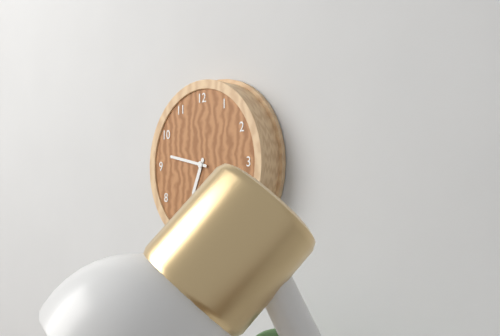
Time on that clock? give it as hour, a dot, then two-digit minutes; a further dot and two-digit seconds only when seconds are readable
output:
6.47
